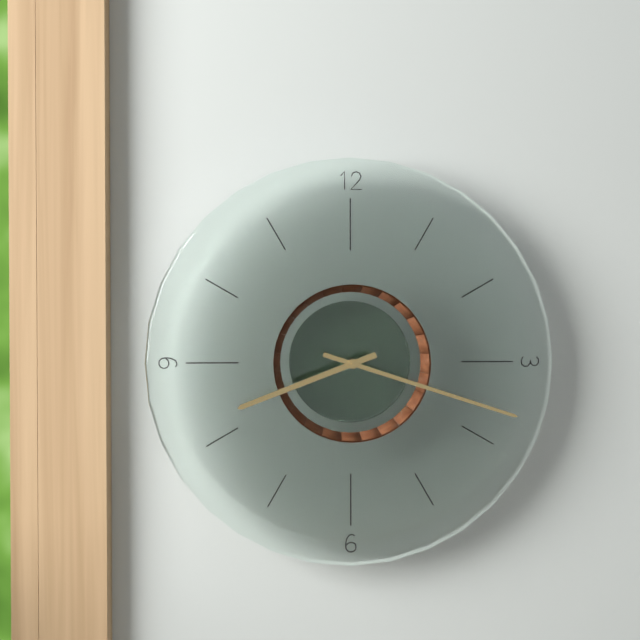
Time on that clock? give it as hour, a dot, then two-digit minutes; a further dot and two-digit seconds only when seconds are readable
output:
8.18
